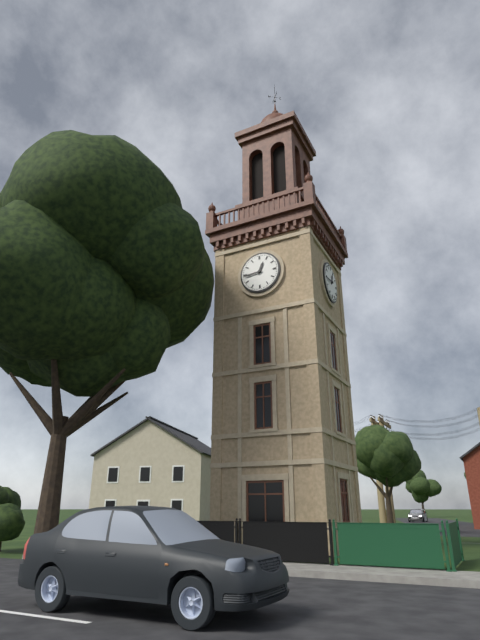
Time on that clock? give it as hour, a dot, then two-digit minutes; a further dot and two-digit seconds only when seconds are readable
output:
12.44
